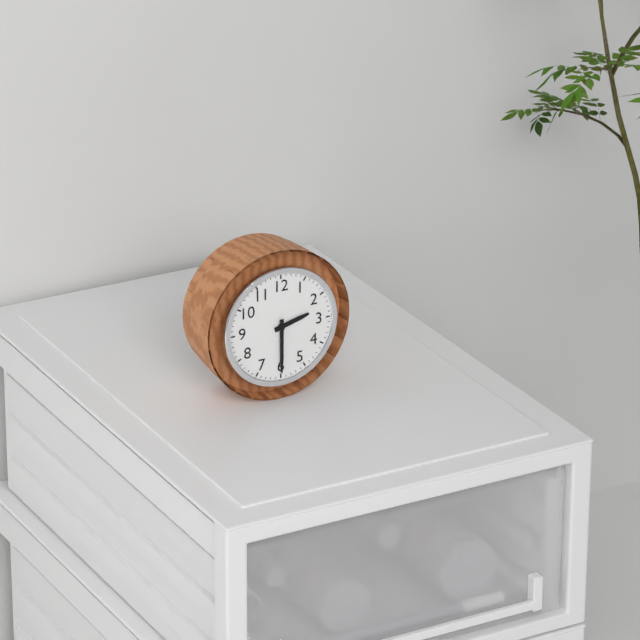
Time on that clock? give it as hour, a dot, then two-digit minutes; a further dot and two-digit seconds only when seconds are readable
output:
2.30
